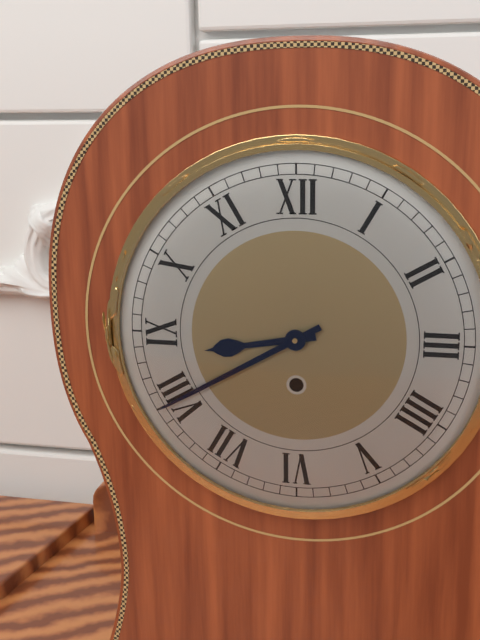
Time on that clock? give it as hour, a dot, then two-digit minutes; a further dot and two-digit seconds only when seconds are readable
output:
8.40
